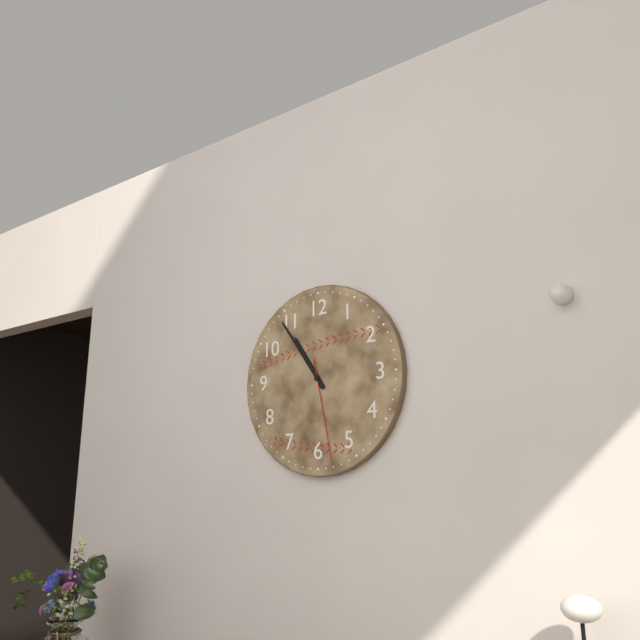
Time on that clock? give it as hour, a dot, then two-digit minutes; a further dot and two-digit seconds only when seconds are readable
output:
10.54.28
